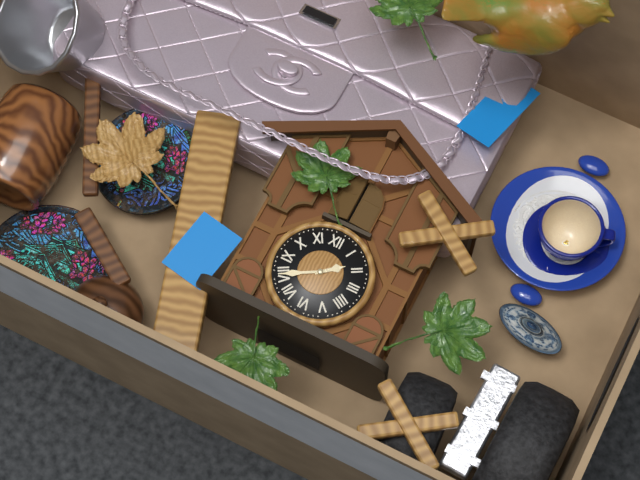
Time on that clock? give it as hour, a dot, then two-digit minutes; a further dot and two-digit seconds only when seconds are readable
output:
1.40
